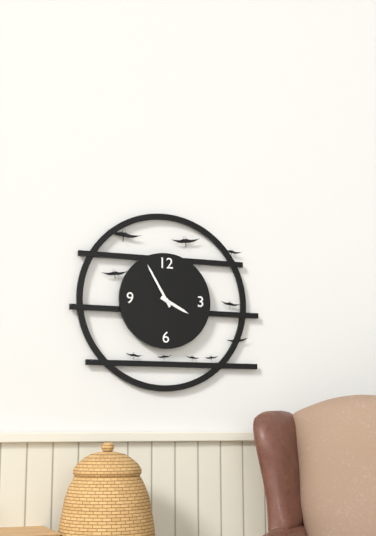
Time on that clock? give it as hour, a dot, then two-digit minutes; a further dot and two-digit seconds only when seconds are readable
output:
3.55
